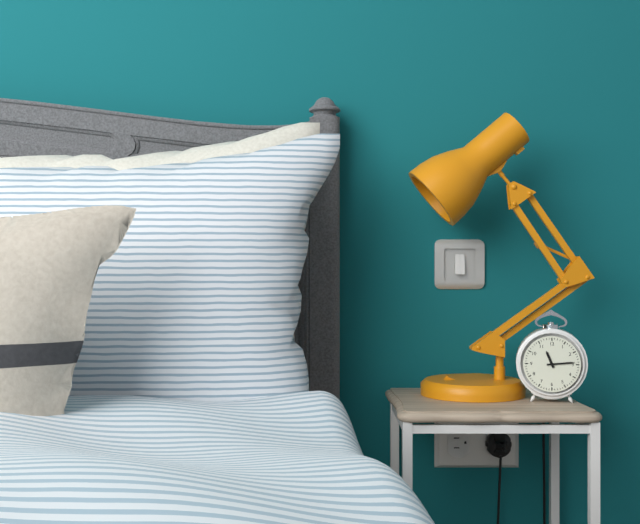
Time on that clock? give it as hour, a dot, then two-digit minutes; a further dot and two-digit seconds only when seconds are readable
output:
11.14
